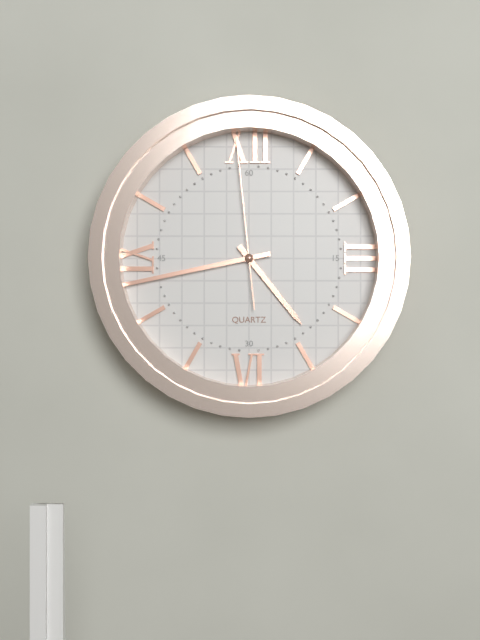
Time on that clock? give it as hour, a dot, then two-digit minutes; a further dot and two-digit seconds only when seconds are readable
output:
4.43.59
